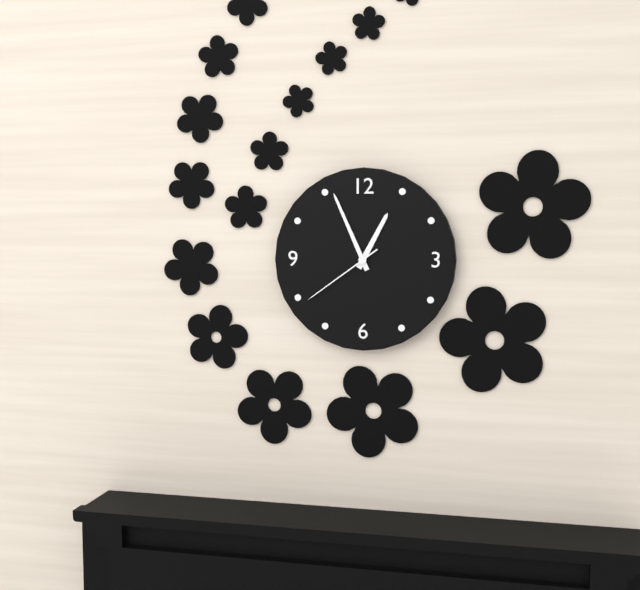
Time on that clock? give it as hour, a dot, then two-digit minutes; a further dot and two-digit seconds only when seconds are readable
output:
12.56.39
